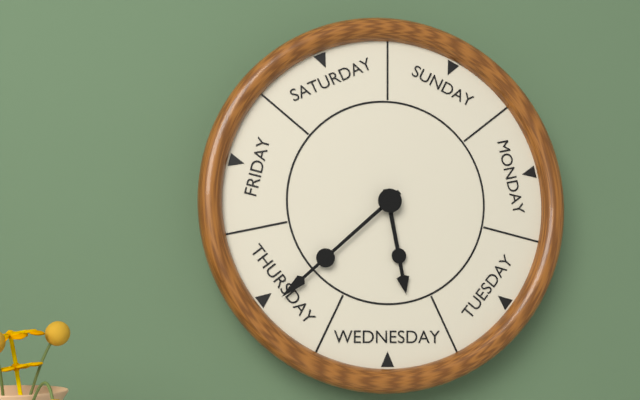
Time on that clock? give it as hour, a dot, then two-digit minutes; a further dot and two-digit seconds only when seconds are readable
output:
5.38
